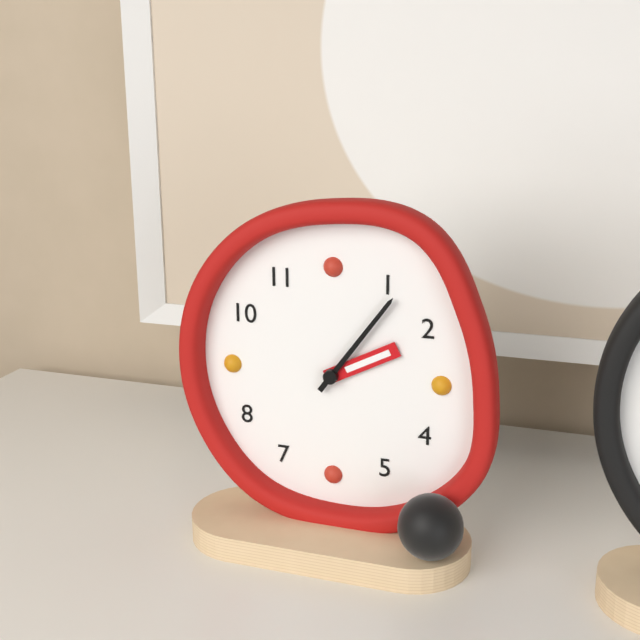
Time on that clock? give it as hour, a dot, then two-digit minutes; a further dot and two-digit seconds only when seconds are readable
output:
2.06
